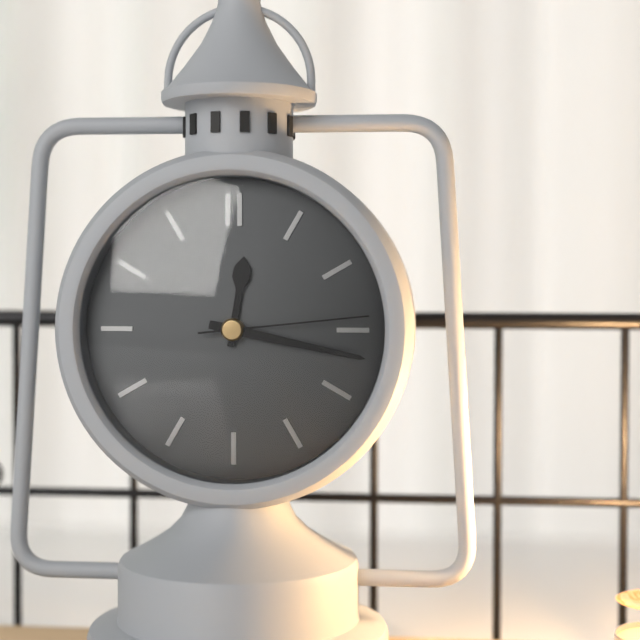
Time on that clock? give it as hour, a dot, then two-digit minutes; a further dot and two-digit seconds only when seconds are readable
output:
12.17.14
